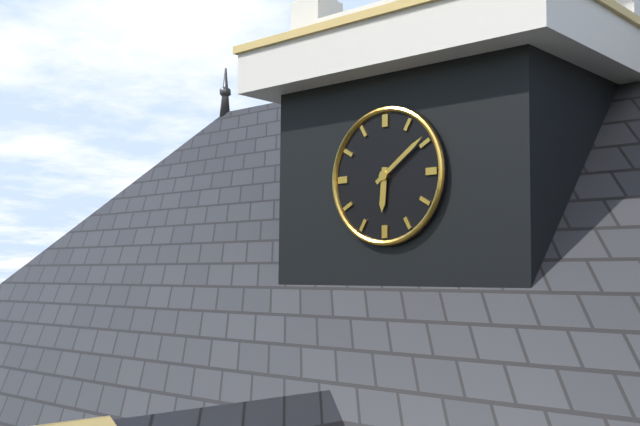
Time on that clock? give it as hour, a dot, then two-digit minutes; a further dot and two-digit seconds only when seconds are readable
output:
6.09
